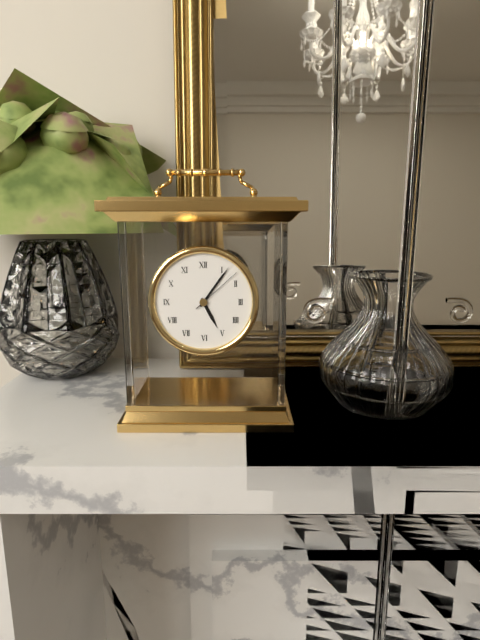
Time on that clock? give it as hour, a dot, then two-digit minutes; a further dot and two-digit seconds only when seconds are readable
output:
5.06.08
